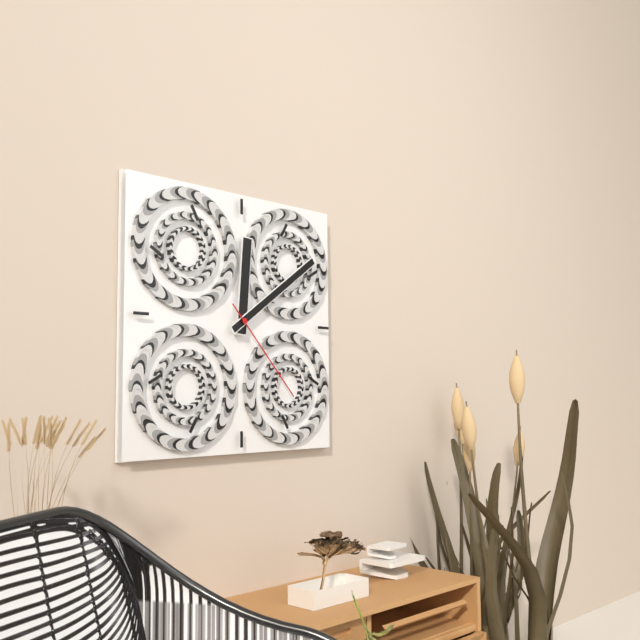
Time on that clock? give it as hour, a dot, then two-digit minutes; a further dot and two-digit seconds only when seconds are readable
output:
12.09.23
